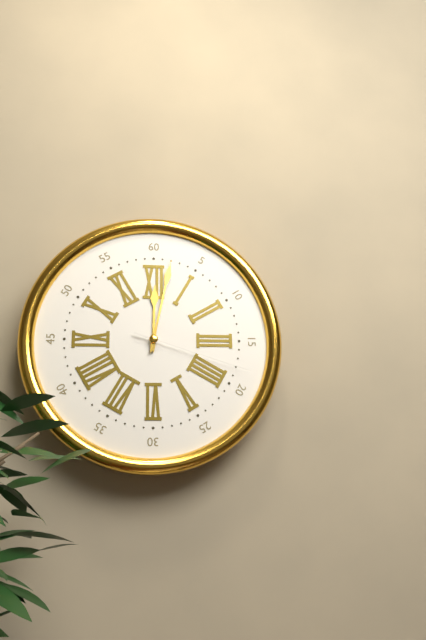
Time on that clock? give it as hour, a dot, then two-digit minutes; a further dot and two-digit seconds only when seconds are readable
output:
12.02.18
